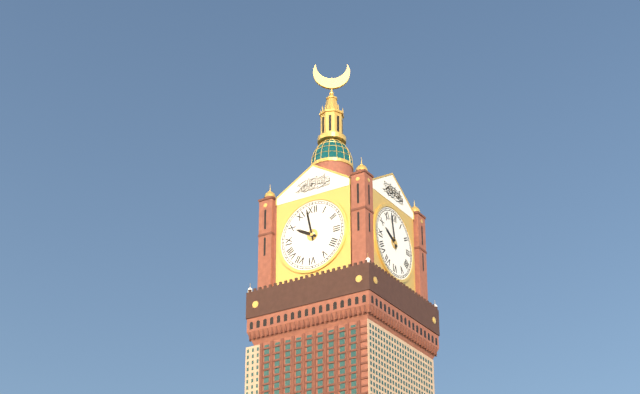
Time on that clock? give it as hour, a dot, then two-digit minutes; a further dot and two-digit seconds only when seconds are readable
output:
9.58
